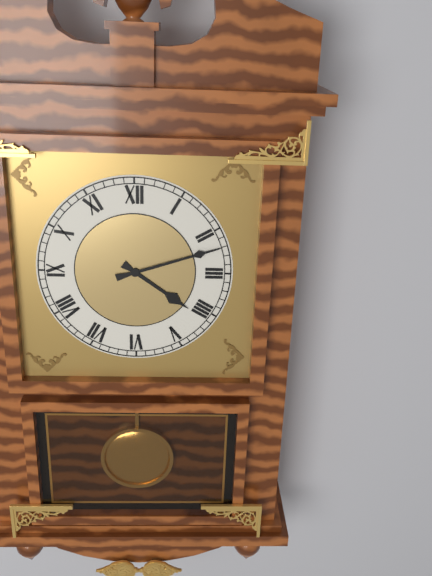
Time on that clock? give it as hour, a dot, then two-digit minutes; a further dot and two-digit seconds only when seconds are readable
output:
4.12
